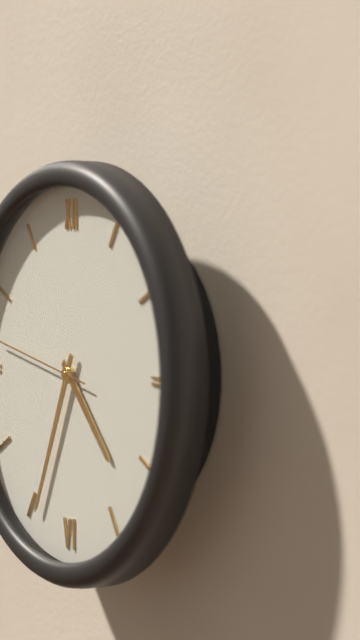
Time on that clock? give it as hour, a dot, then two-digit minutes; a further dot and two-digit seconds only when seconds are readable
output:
4.34
